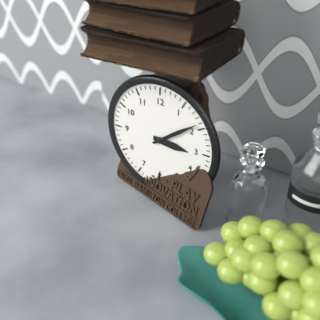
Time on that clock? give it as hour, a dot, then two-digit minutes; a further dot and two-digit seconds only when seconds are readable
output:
3.09
